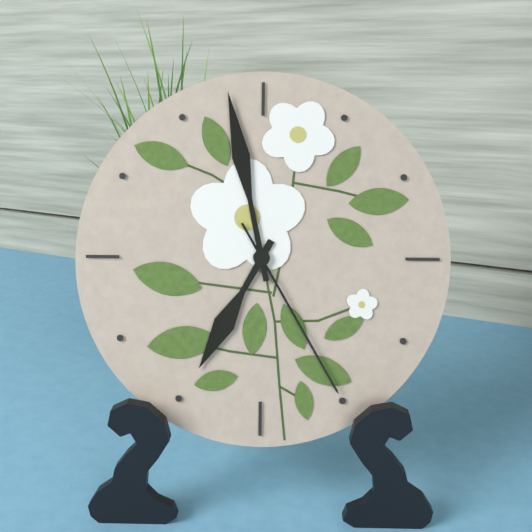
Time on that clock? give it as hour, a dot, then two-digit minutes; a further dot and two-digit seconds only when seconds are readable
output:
6.58.25
